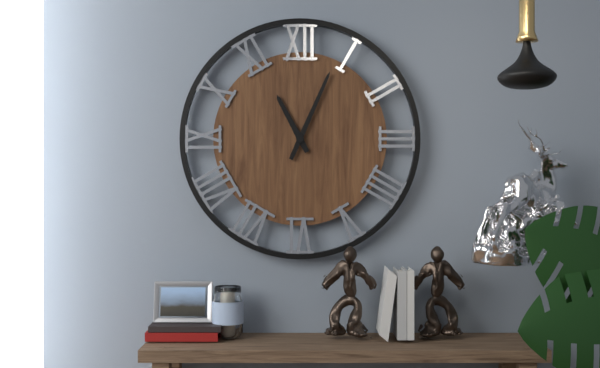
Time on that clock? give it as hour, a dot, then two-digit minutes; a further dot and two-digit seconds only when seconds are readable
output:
11.04
